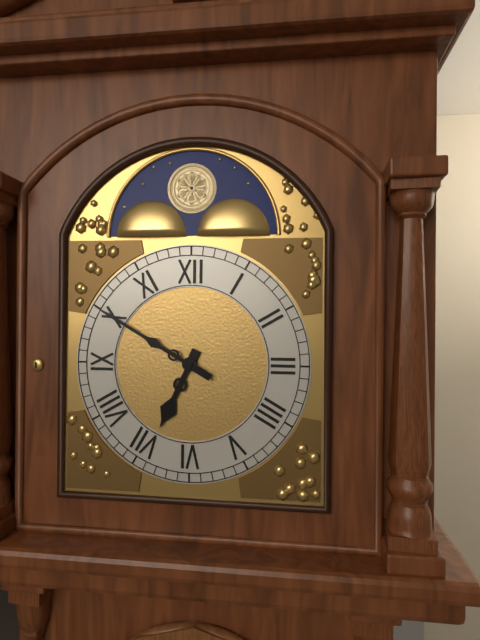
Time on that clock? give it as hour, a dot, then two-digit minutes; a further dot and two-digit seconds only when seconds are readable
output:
6.50
